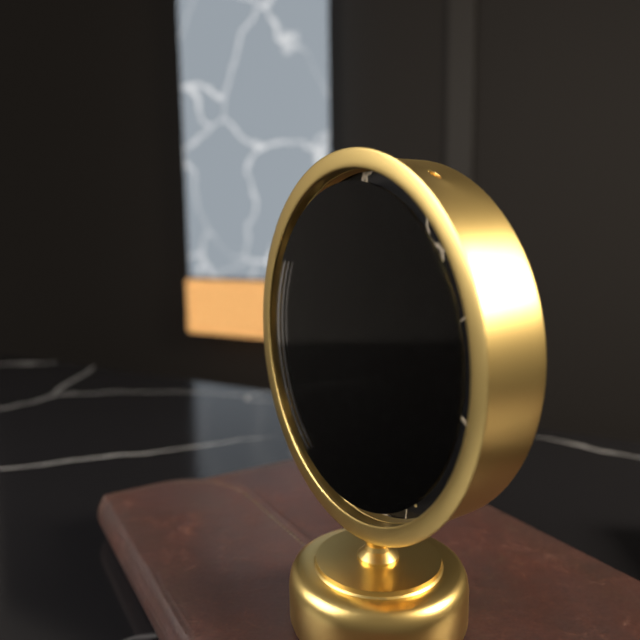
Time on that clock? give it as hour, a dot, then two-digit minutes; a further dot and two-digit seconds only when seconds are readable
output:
12.21.17
